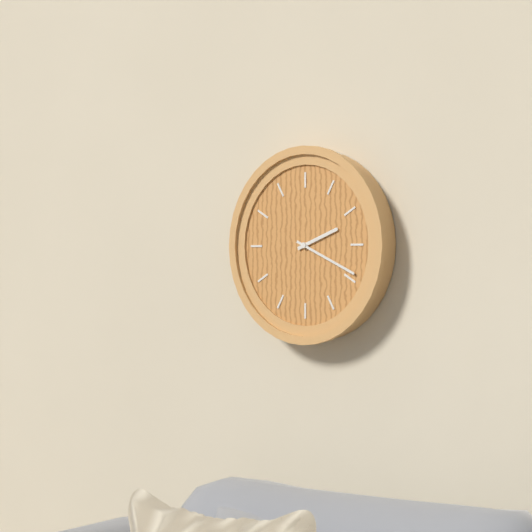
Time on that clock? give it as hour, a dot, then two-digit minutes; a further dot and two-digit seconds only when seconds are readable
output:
2.19
